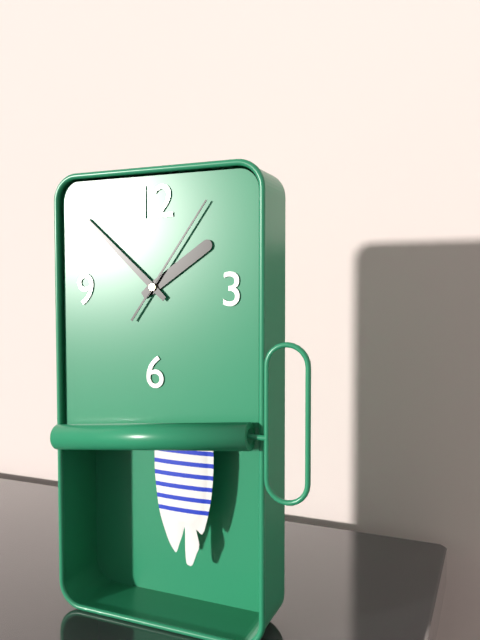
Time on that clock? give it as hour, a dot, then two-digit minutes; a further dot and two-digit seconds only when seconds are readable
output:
1.52.06
